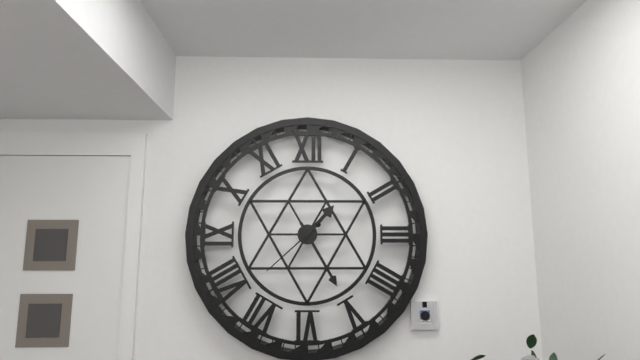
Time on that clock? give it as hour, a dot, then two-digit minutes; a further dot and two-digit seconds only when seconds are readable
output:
1.25.38
